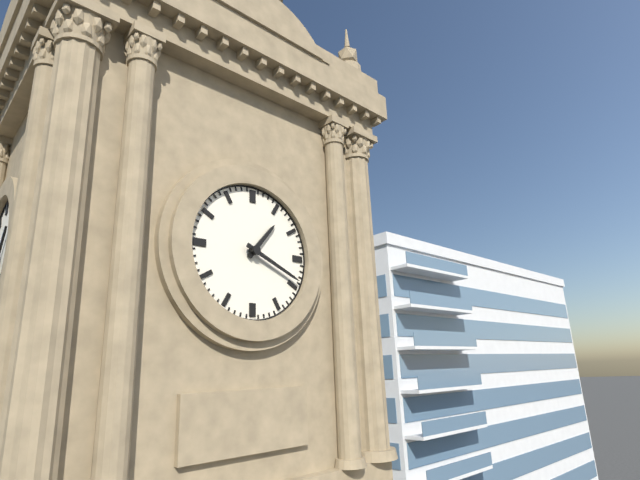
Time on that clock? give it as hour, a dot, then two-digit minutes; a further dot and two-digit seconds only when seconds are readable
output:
1.19
